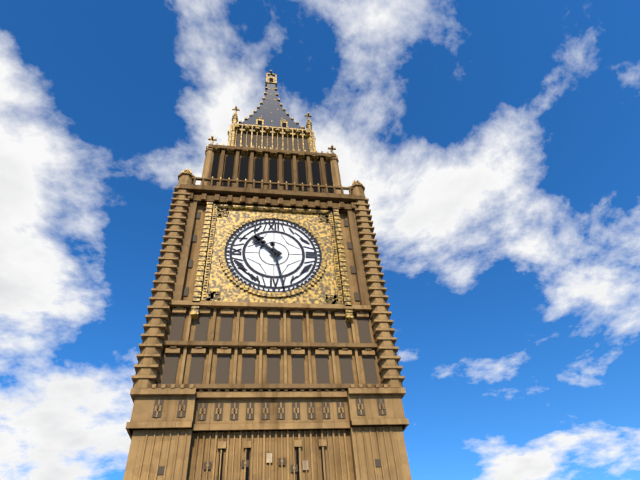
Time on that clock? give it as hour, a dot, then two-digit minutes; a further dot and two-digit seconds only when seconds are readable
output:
10.28
